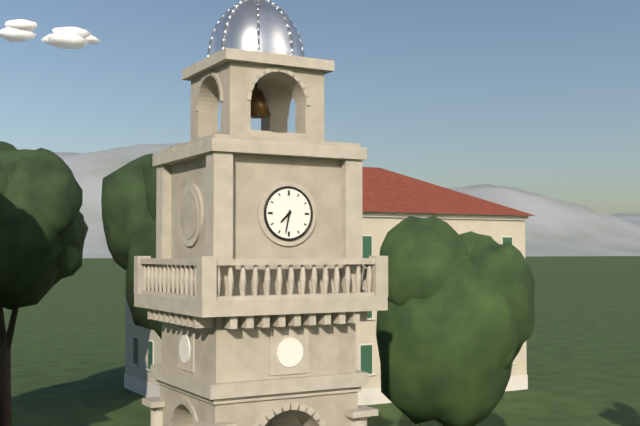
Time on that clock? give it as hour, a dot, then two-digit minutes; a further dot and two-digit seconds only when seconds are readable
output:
7.32
